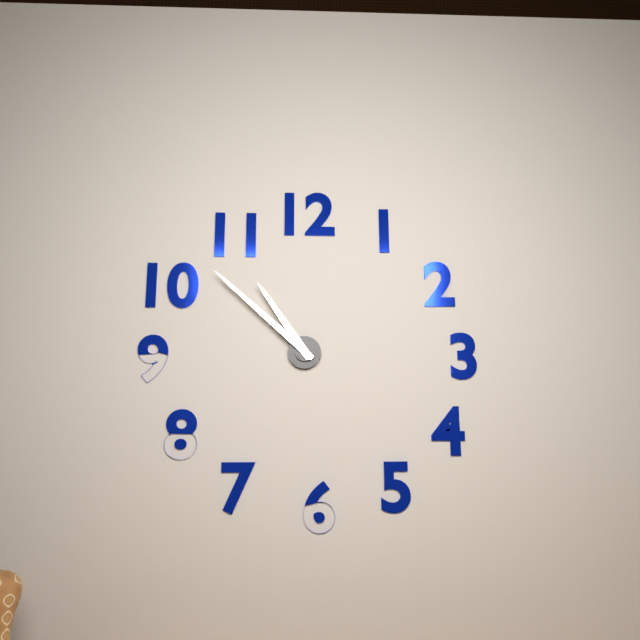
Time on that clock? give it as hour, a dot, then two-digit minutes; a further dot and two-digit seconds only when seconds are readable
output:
10.52
